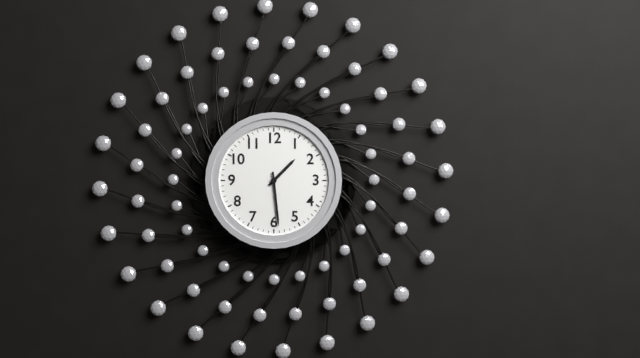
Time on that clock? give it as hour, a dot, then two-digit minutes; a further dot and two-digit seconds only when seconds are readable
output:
1.29
